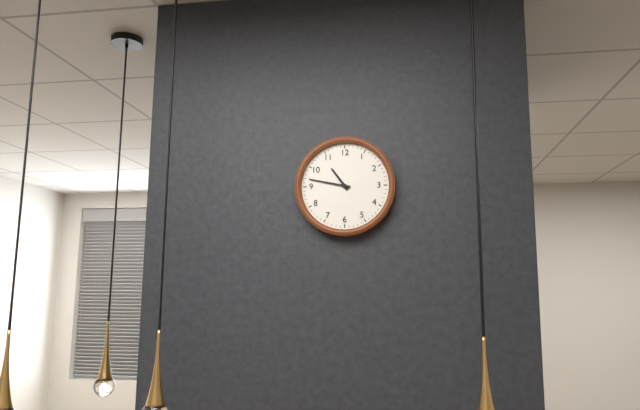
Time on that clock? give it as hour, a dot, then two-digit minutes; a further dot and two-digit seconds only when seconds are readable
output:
10.47
